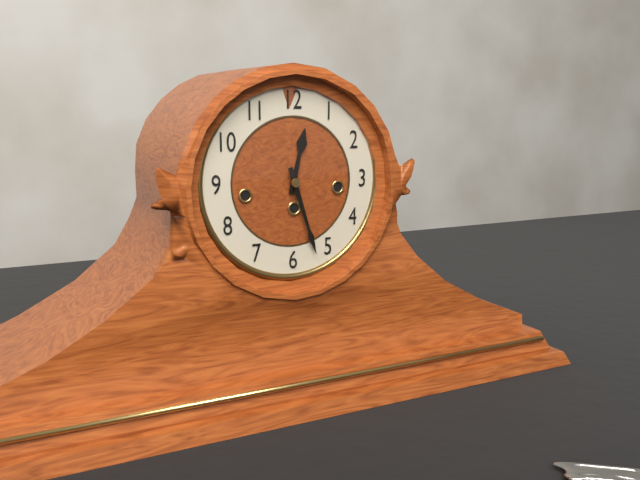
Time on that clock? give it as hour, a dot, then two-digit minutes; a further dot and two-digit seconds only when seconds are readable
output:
12.27
